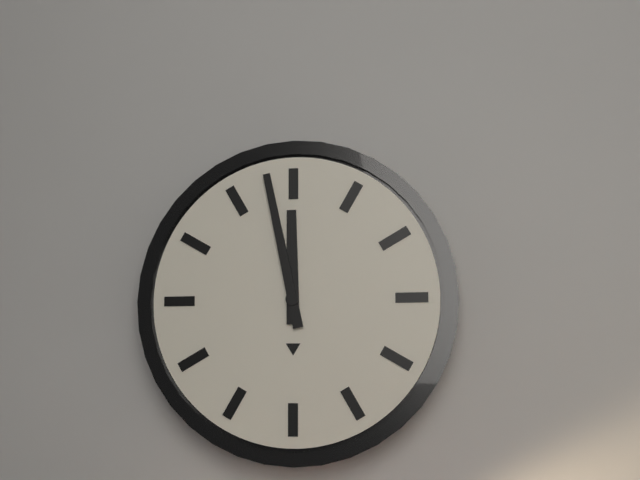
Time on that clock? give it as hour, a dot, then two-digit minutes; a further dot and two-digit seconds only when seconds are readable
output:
11.58
